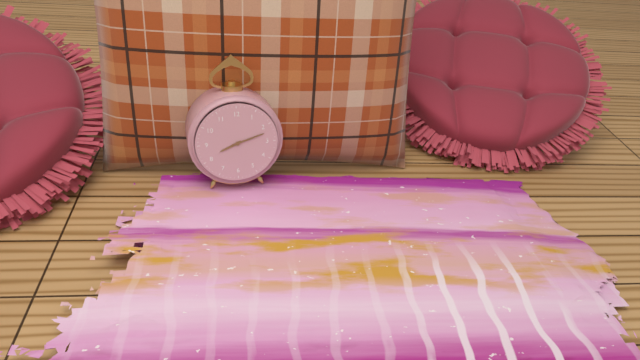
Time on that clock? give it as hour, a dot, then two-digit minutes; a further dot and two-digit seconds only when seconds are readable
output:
8.12
